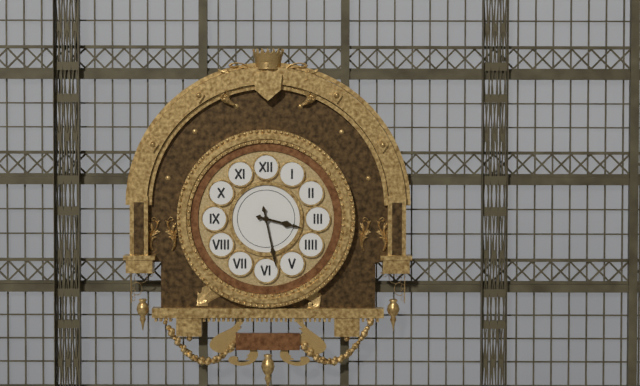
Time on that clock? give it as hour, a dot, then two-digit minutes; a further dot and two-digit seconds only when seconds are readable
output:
3.28
